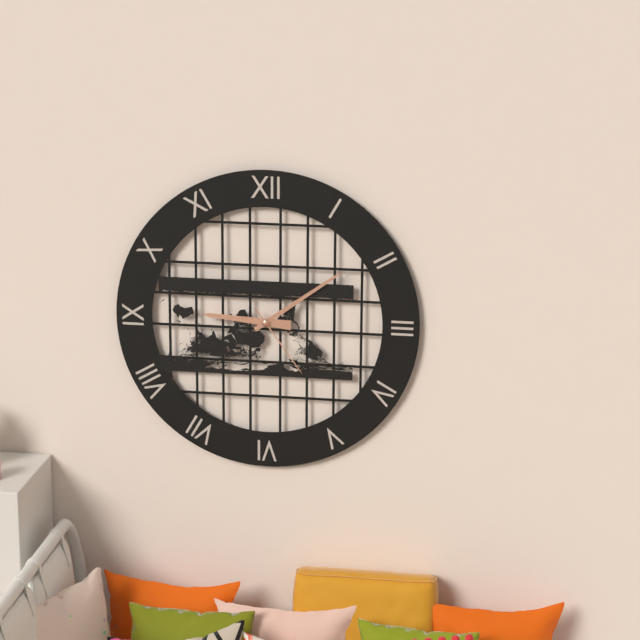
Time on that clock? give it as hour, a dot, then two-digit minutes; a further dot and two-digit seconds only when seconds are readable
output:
9.09.24
